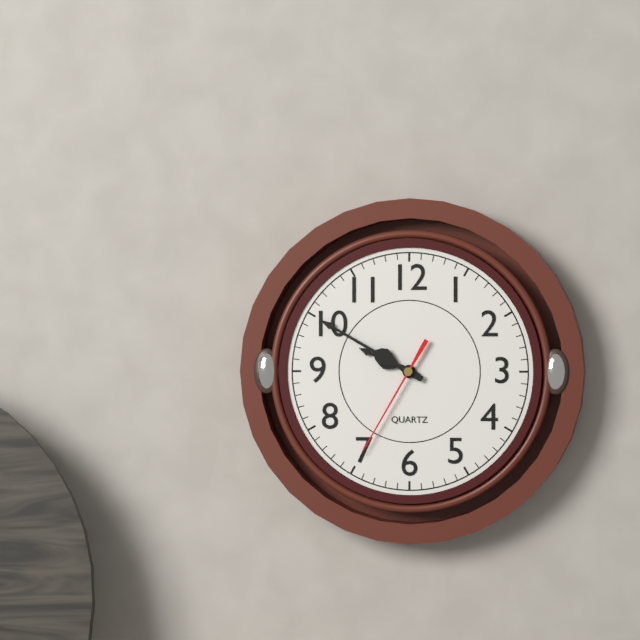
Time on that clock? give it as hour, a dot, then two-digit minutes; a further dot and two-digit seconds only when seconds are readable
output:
9.50.35
